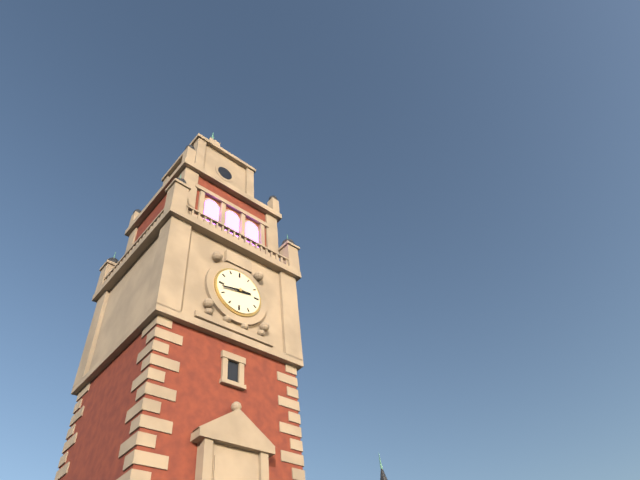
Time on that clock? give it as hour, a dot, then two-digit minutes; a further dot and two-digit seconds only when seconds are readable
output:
2.43
